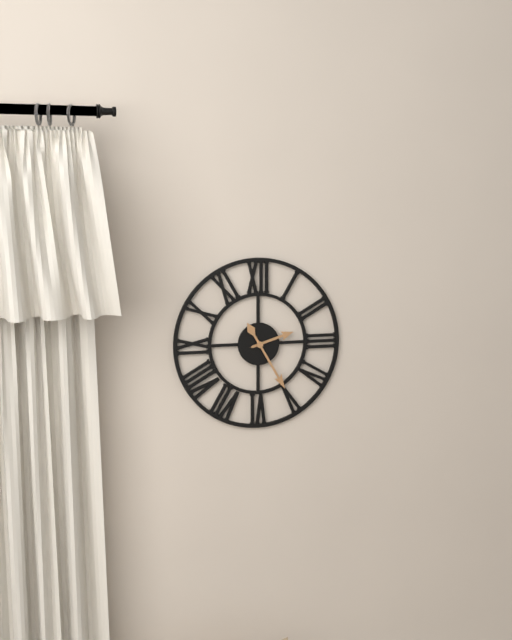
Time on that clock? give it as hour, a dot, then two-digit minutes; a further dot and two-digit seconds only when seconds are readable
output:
2.25
